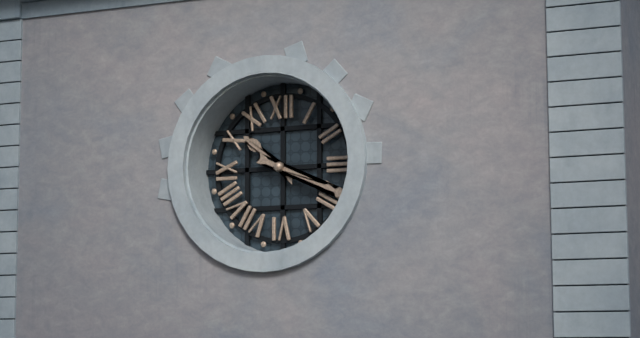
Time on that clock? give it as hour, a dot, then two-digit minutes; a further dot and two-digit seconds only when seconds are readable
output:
10.19
